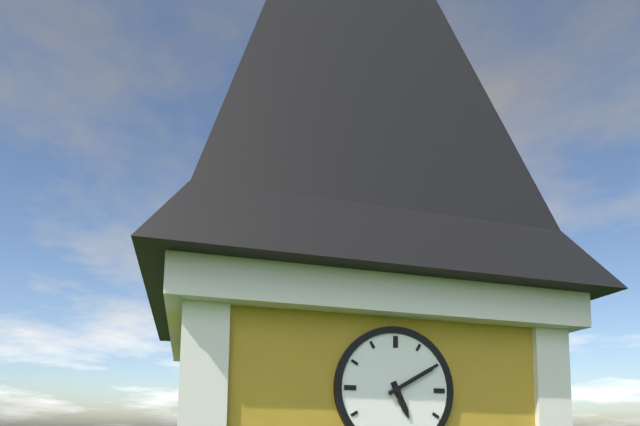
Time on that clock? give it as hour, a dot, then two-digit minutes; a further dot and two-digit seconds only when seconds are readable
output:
5.10
